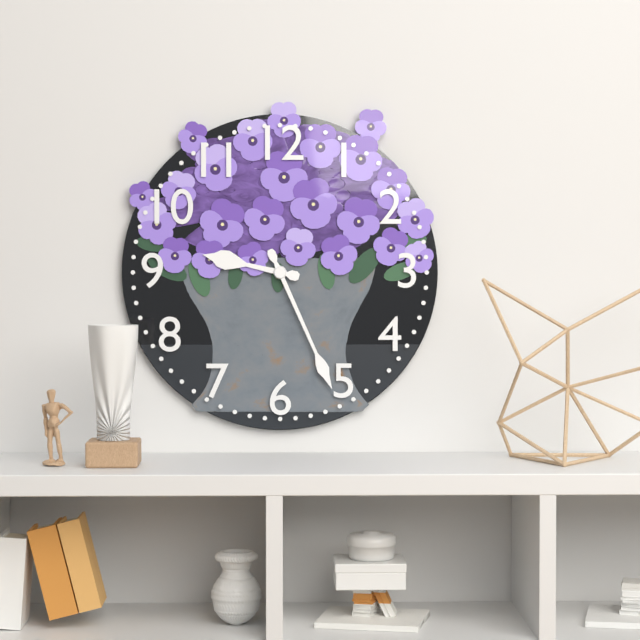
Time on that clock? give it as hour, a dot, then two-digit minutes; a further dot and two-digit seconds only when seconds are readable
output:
9.26
